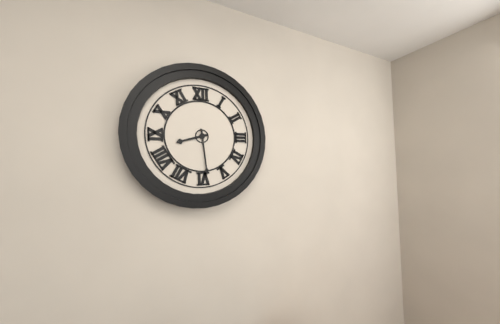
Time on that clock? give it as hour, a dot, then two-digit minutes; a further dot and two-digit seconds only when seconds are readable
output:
8.29
